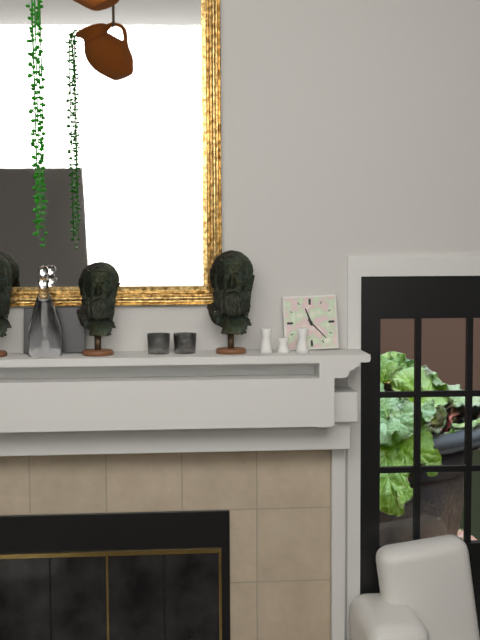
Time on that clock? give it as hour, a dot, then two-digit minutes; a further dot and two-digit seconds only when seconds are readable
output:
11.23
